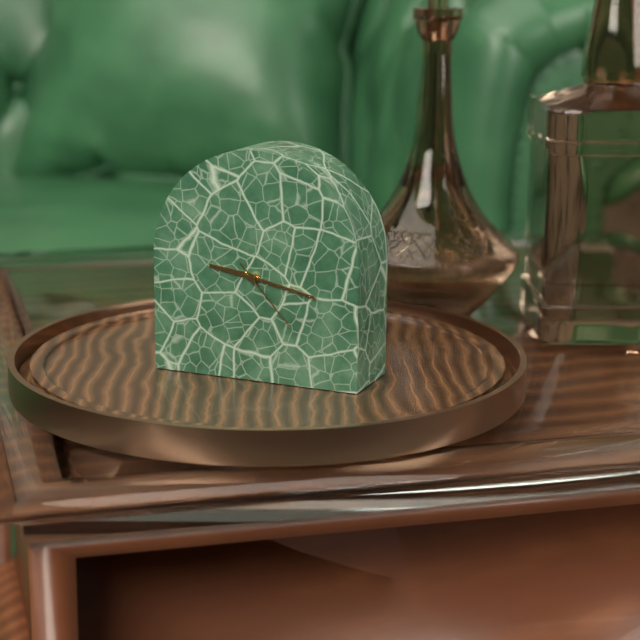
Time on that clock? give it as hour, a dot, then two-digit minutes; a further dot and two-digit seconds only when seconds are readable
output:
9.17.23
